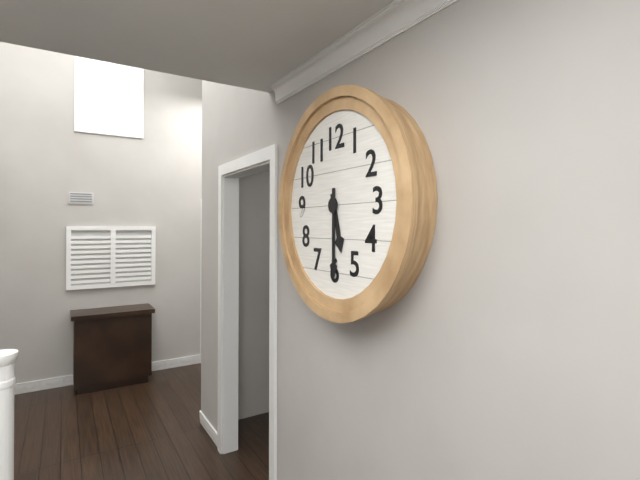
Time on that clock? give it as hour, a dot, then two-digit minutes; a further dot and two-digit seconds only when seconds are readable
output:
5.30
